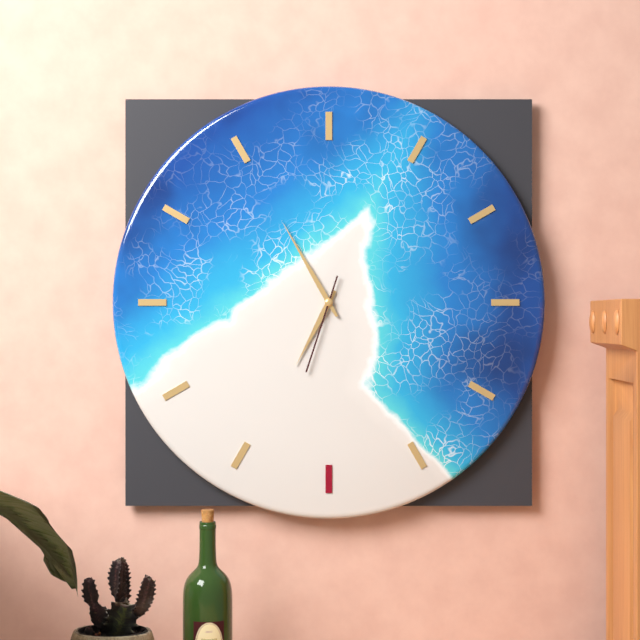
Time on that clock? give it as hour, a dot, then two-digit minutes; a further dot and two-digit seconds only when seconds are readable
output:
6.55.33
